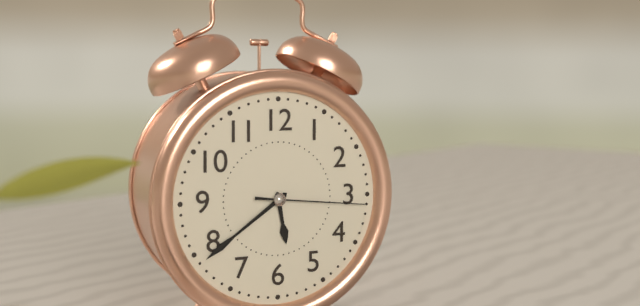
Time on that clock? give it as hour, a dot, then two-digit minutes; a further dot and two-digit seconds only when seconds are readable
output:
5.39.16
